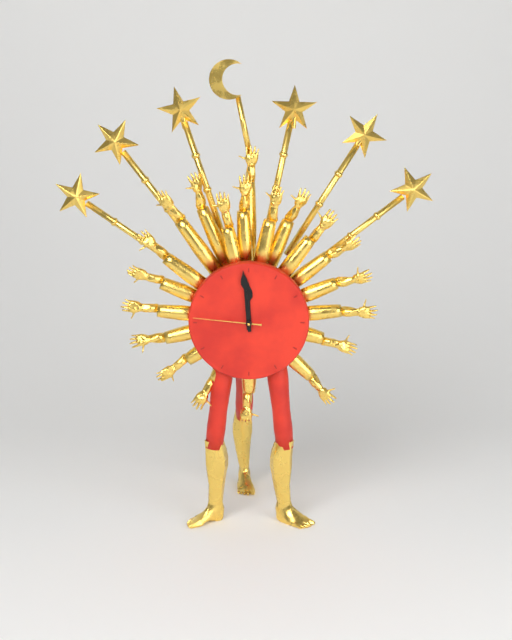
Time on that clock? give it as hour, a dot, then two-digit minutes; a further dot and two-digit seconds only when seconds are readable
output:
11.59.46
